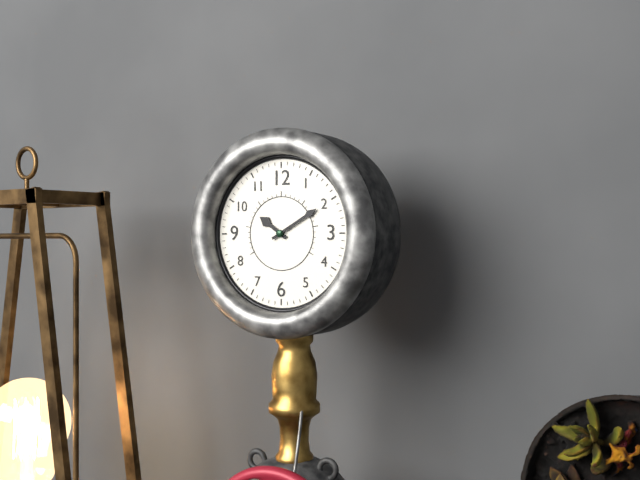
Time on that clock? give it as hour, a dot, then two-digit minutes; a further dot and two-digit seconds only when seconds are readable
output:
10.10
